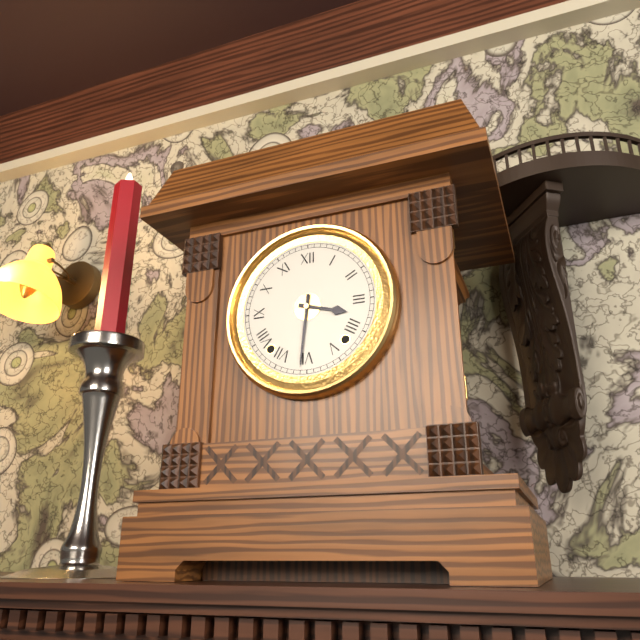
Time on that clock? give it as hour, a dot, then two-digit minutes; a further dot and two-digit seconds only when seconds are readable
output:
3.31
